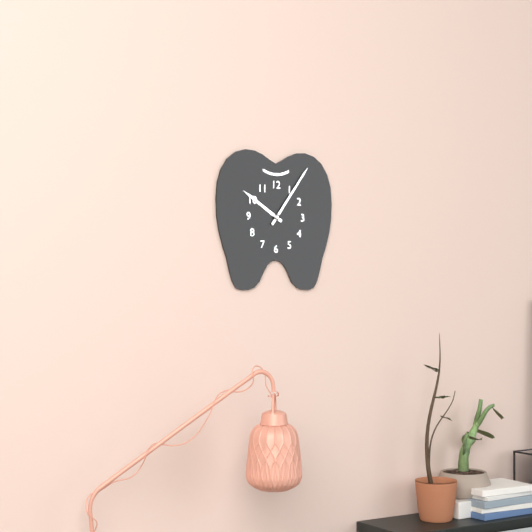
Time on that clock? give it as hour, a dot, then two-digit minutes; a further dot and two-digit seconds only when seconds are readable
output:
10.06
